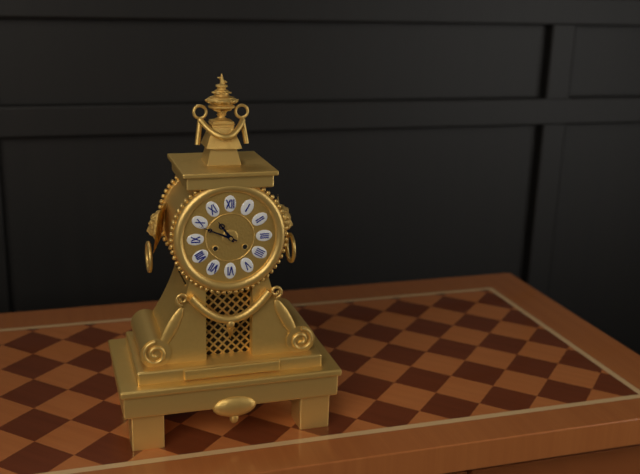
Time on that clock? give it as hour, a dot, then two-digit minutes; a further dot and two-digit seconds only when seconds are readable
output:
10.49
